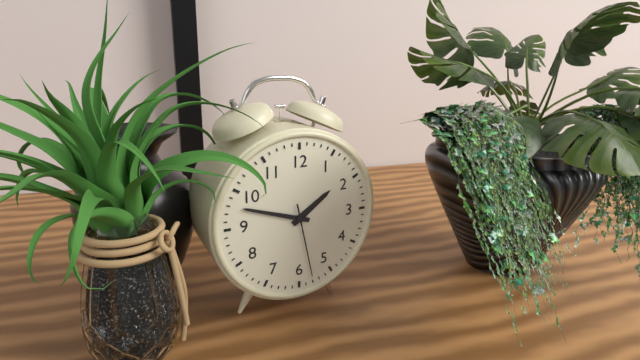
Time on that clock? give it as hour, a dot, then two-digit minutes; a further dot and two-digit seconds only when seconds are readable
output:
1.48.28
